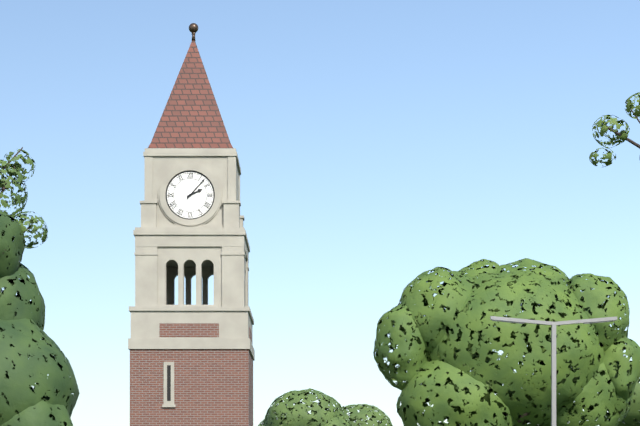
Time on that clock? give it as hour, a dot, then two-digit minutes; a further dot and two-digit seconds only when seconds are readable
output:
2.07
